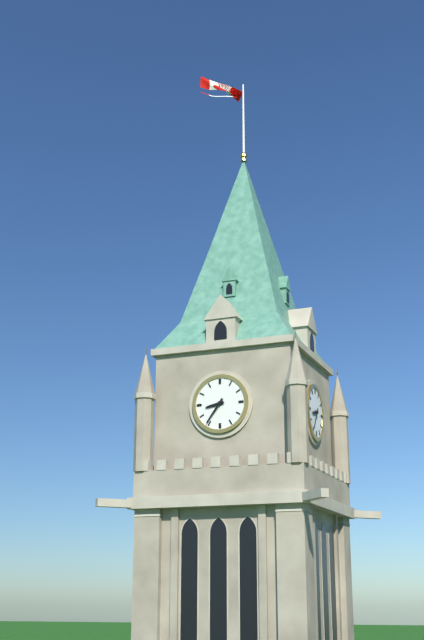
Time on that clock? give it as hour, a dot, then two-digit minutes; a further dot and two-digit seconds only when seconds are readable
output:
8.36
